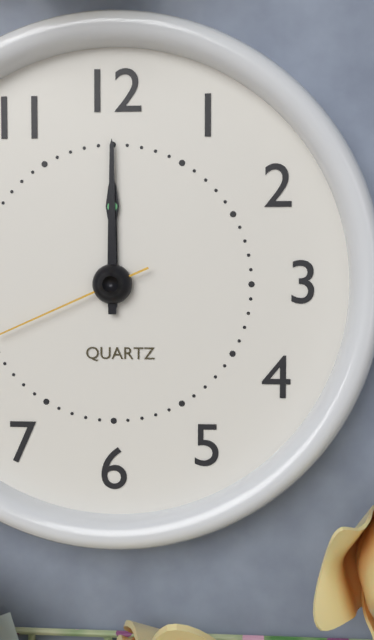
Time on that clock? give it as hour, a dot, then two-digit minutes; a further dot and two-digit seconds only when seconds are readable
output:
12.00
